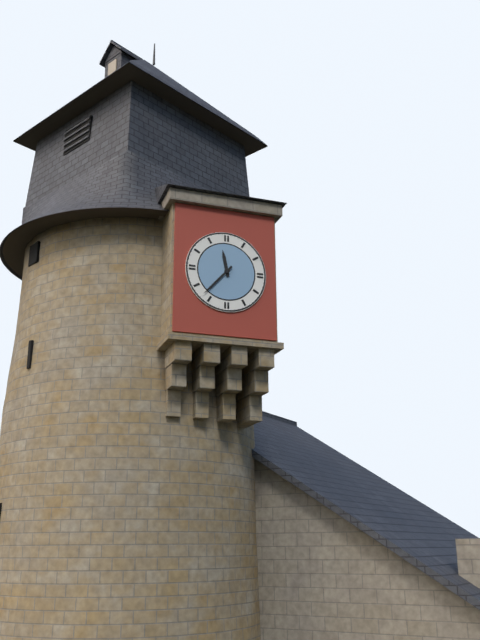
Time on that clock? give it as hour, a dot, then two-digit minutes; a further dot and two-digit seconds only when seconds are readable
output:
11.37
